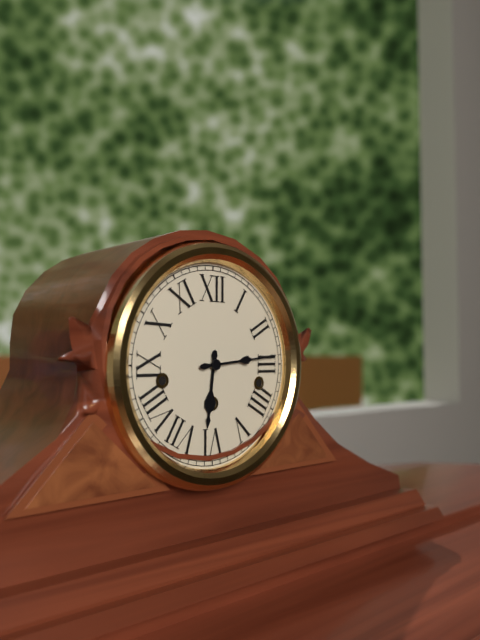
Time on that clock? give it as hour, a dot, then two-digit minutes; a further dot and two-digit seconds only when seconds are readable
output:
6.14
